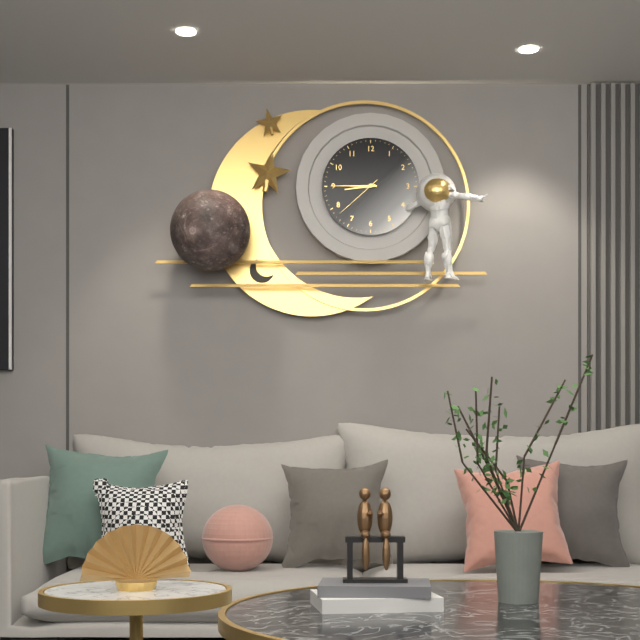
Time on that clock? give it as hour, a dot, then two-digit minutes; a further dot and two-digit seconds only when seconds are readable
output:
8.45.38
